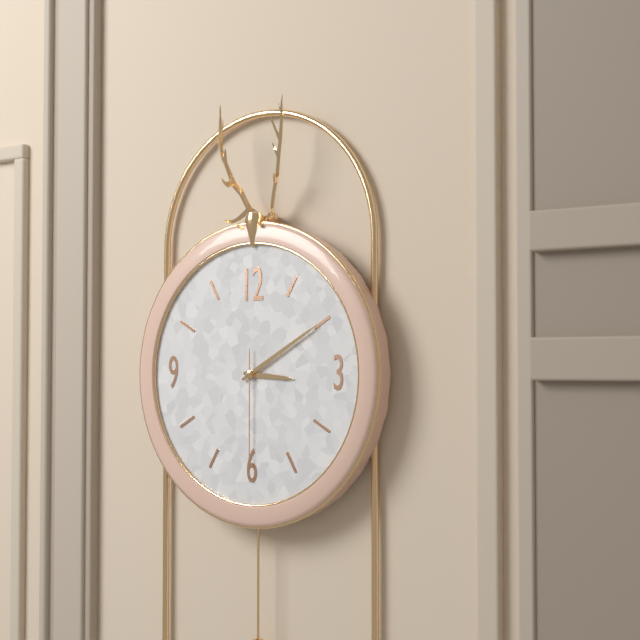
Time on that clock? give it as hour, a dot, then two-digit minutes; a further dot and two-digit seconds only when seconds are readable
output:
3.10.30
